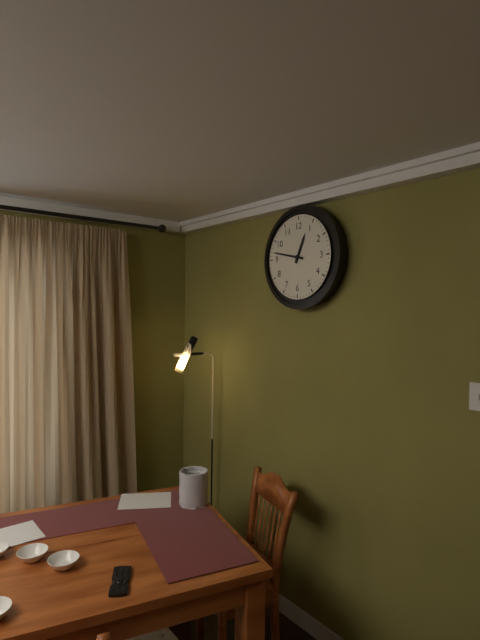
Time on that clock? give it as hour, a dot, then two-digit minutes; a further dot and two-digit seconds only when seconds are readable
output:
12.47
